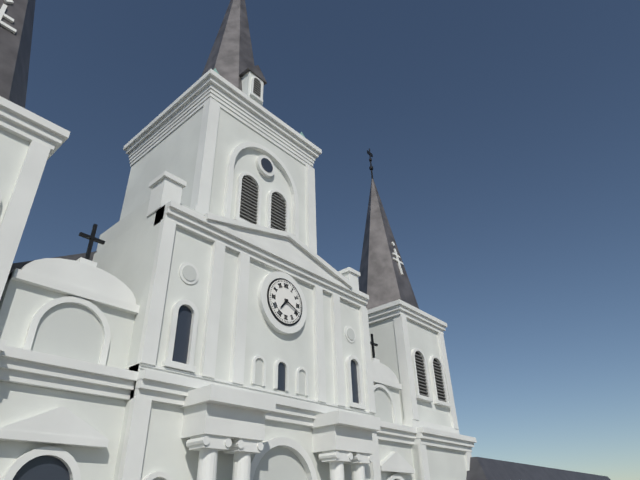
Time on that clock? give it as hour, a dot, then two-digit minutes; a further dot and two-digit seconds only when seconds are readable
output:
7.19
